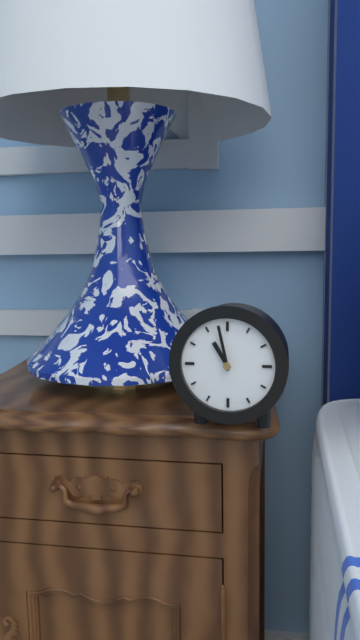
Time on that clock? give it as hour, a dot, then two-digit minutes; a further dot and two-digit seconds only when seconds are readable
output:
10.58
